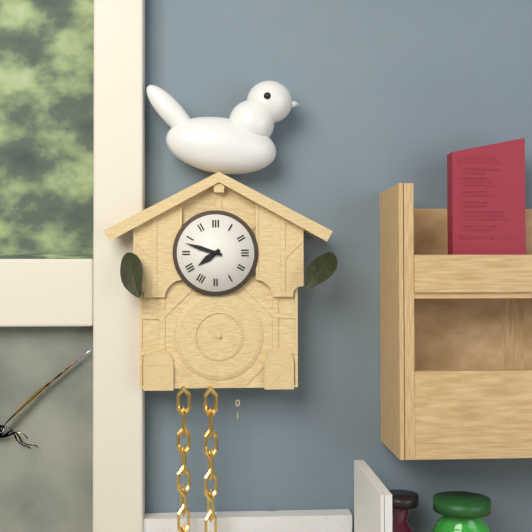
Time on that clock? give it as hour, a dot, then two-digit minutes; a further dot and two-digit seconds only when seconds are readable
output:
7.48
